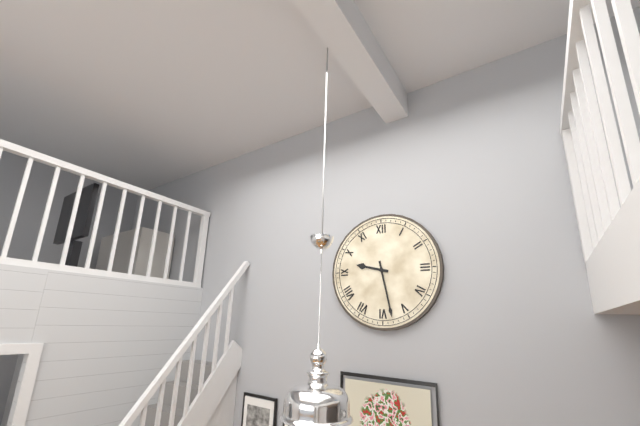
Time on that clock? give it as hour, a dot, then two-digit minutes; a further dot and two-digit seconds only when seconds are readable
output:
9.28
